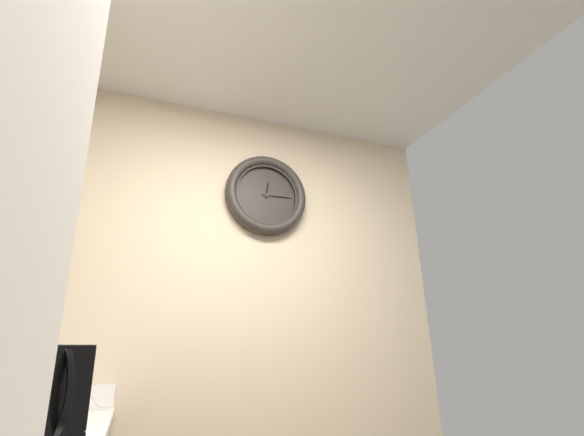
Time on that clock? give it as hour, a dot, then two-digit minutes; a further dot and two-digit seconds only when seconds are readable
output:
12.15
